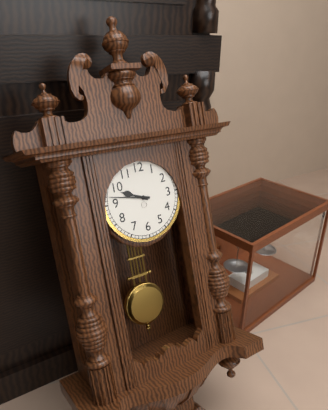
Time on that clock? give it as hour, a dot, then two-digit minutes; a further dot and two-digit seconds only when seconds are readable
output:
9.47
